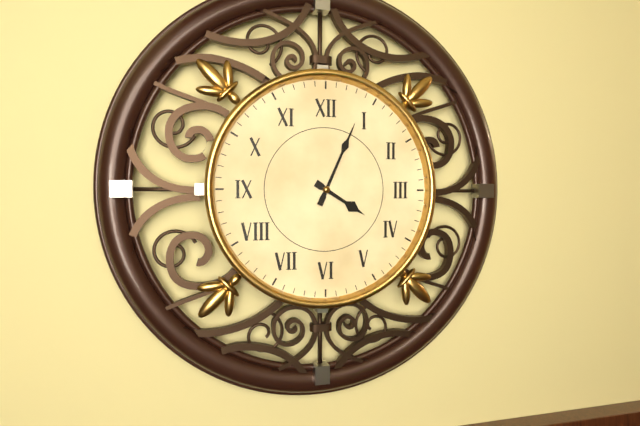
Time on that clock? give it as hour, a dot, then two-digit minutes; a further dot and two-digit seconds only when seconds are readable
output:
4.04
